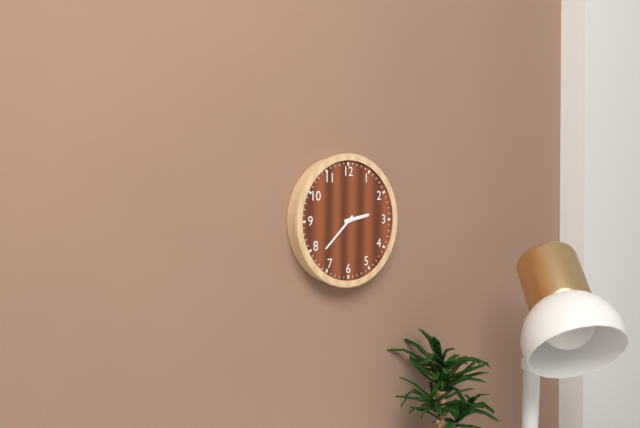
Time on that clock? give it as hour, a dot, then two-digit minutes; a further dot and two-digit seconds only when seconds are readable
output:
2.38
